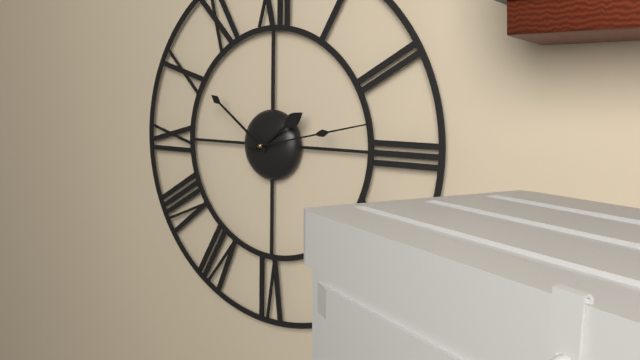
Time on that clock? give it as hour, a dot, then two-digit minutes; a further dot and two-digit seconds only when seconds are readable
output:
1.51.13
